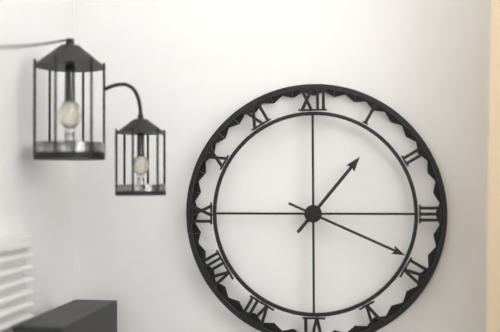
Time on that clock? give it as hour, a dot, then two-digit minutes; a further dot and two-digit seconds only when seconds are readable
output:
1.19
